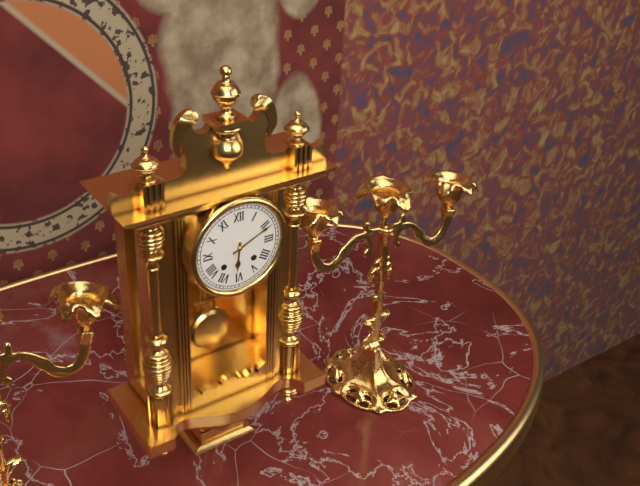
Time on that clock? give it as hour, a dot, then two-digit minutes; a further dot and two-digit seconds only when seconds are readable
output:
6.11
